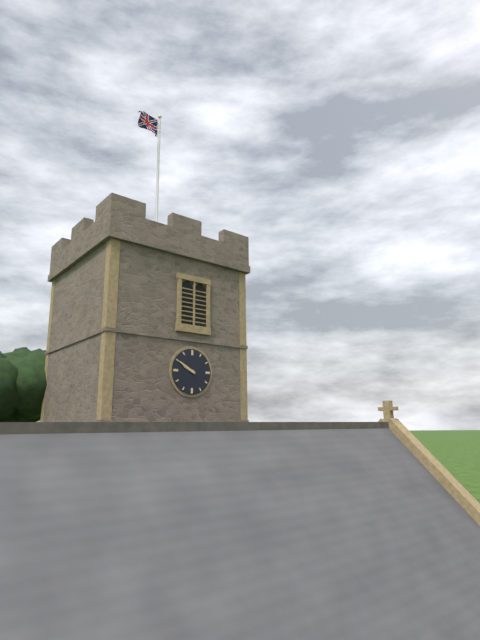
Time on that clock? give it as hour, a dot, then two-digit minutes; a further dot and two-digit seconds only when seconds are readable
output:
9.50
